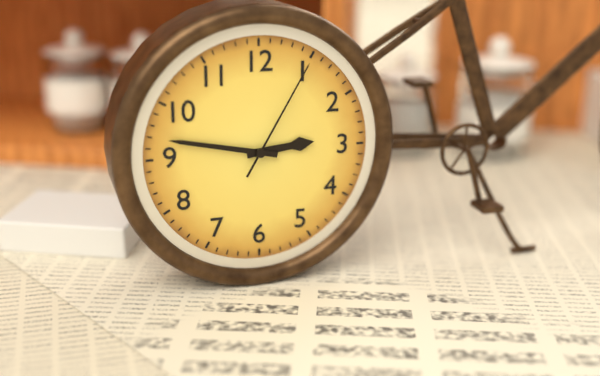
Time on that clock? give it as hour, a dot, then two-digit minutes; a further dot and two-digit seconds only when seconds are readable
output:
2.47.05
